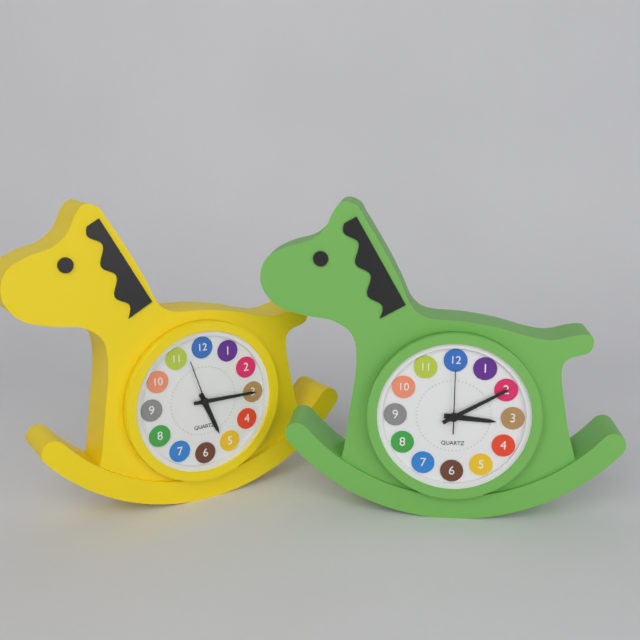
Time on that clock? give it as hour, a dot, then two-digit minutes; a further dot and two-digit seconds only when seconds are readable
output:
3.10.00
